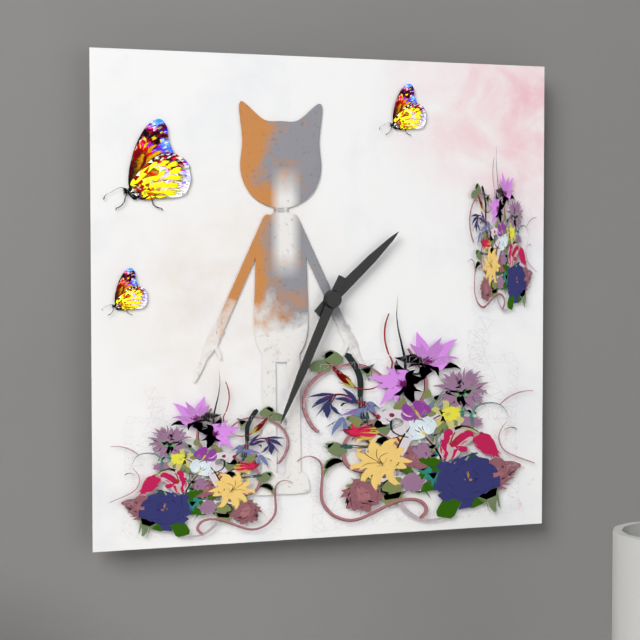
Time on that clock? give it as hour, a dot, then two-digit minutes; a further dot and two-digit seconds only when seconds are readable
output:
1.34
